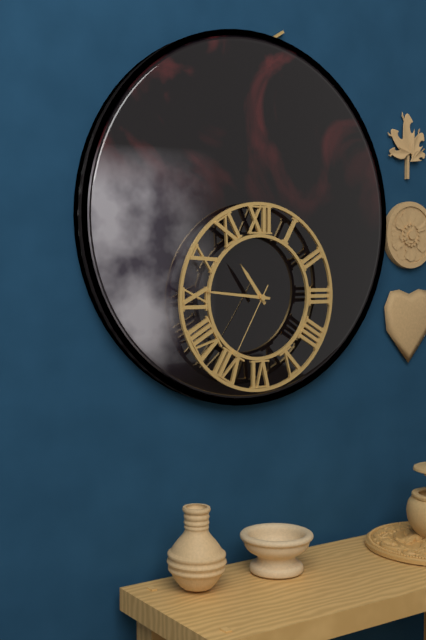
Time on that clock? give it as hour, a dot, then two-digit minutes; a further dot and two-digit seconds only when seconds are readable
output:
10.46.35
